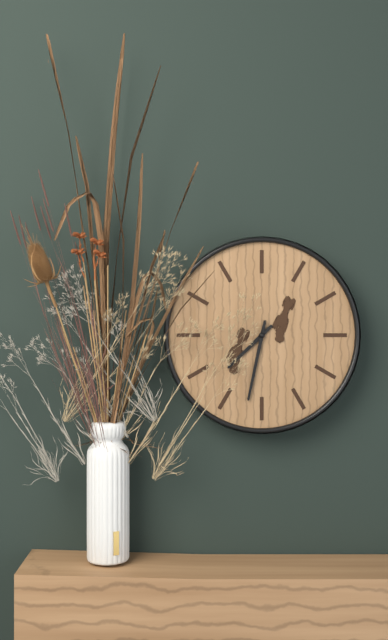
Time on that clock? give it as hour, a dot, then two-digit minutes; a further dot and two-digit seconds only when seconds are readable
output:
7.32
